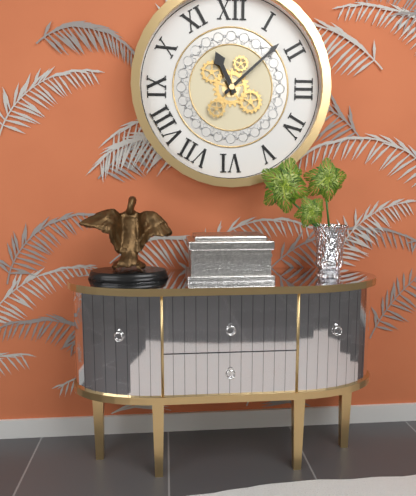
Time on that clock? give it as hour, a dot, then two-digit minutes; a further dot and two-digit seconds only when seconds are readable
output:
11.08
